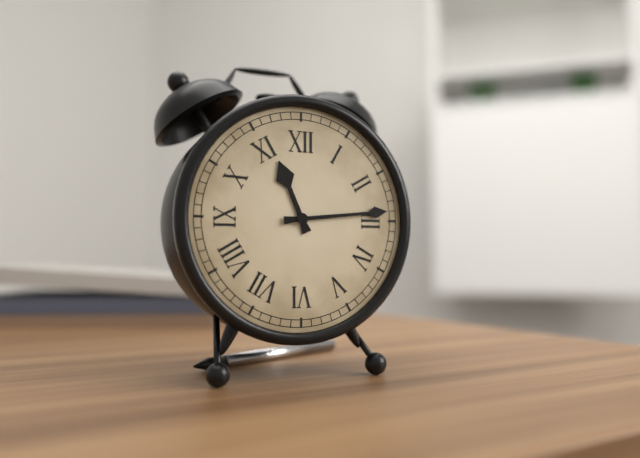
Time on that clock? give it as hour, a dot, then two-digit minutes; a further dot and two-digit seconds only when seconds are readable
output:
11.14
